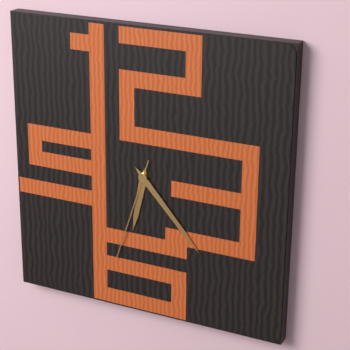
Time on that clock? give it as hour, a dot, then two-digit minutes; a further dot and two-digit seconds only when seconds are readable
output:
6.23.33
